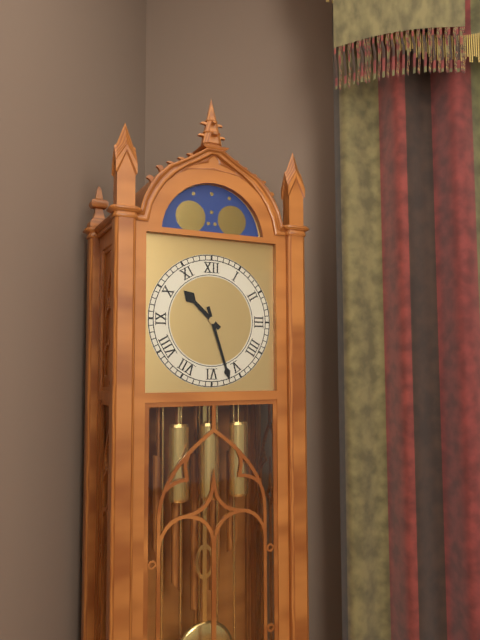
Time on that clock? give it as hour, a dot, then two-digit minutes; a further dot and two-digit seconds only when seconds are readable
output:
10.27
